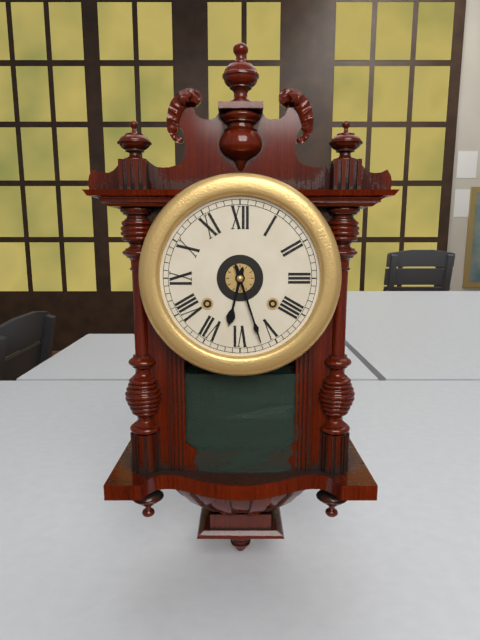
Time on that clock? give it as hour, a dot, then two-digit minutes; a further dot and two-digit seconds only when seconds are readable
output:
6.27
